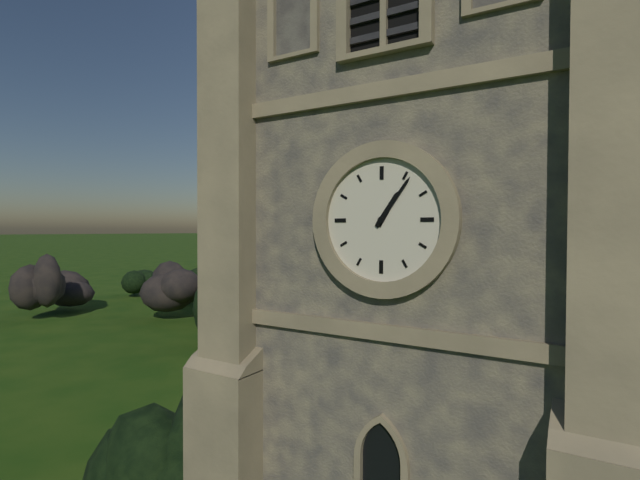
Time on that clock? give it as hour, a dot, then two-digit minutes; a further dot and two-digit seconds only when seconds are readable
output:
1.06
